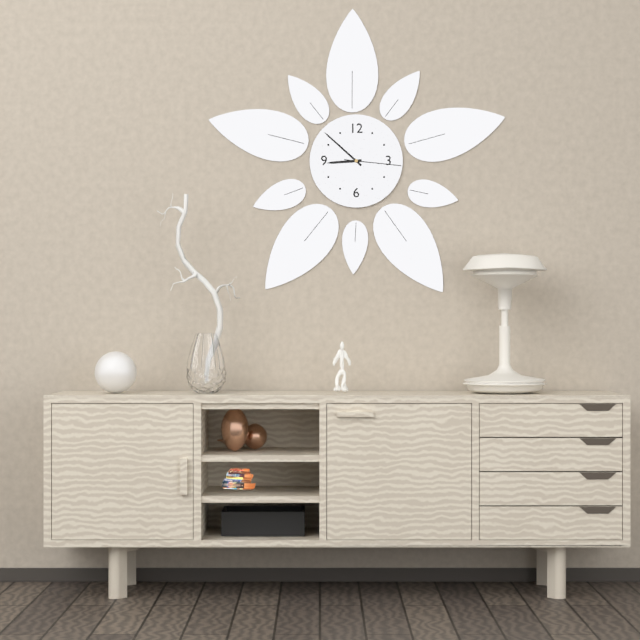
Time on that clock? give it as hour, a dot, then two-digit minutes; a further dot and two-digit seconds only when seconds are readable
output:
8.52.16
